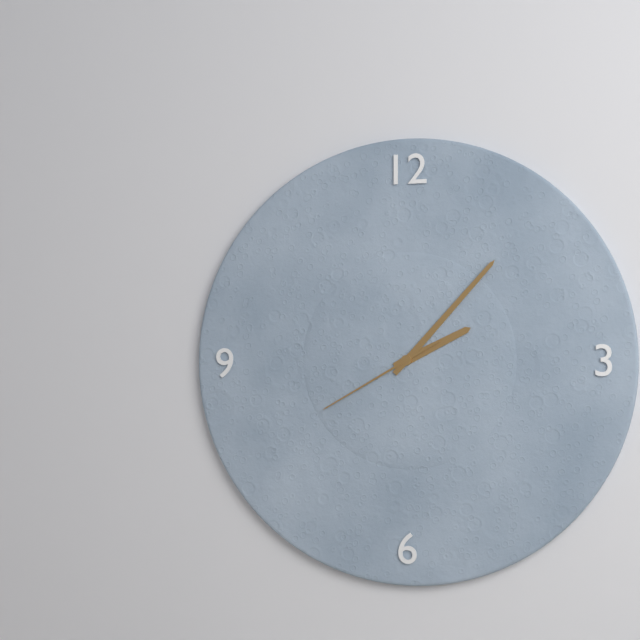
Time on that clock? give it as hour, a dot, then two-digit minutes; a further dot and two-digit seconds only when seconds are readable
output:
2.07.40
